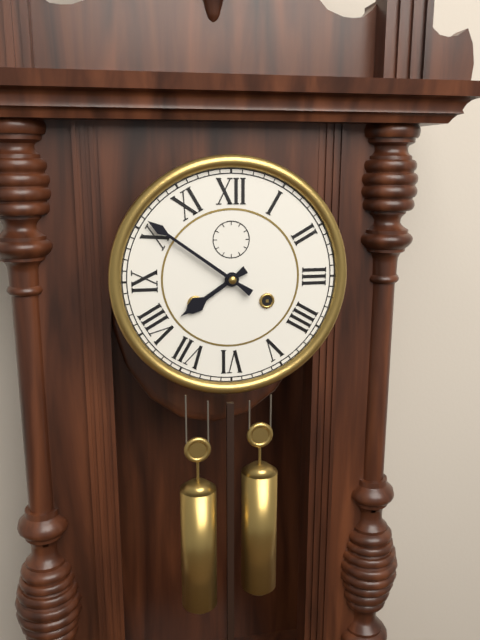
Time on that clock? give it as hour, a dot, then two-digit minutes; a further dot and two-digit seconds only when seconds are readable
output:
7.51
